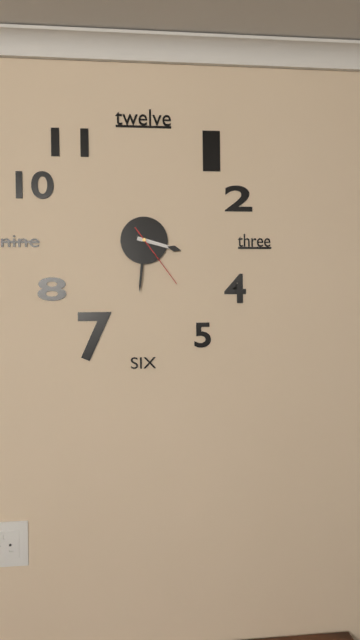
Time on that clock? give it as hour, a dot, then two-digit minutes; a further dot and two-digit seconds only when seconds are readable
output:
3.31.24
